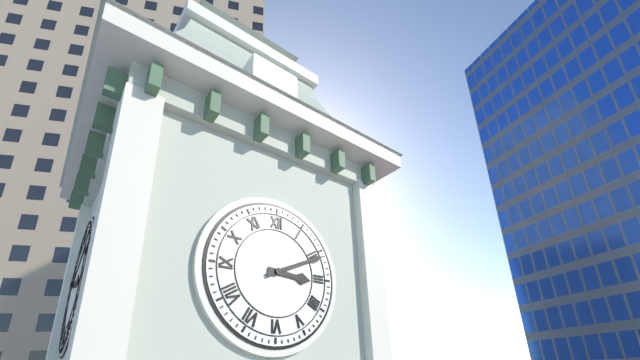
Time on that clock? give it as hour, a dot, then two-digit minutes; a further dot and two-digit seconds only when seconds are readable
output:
3.11
